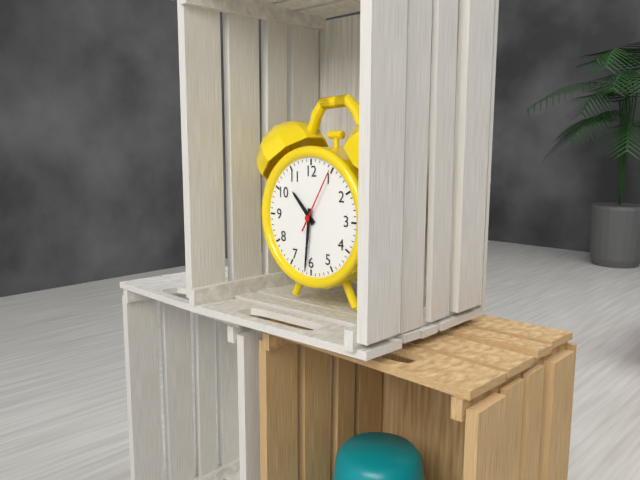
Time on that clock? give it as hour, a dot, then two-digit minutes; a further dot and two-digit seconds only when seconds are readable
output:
10.31.05
